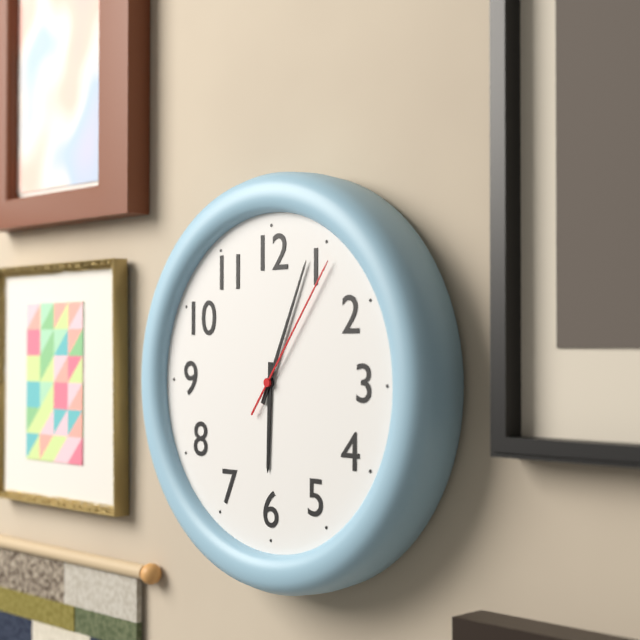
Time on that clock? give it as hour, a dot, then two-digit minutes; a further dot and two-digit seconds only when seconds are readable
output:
6.04.06
